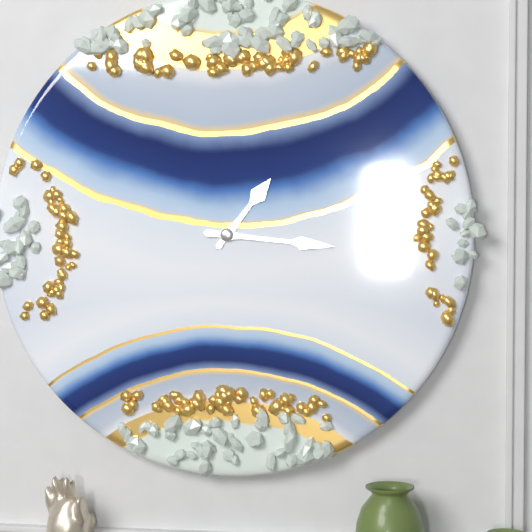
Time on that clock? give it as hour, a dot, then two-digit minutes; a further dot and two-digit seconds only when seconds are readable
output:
1.16
